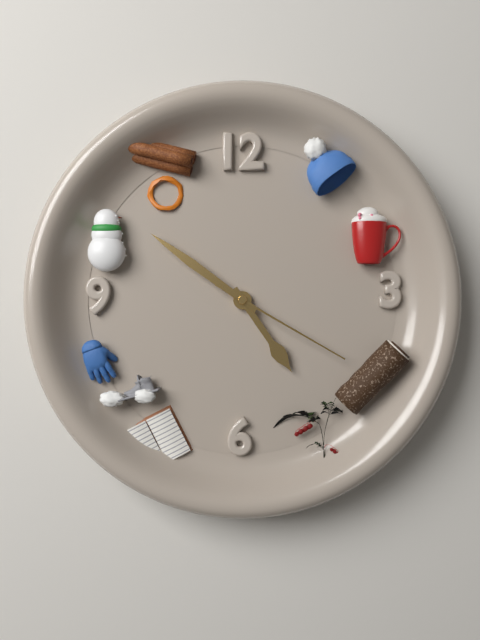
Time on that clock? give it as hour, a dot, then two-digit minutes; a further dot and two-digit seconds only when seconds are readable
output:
4.51.20
